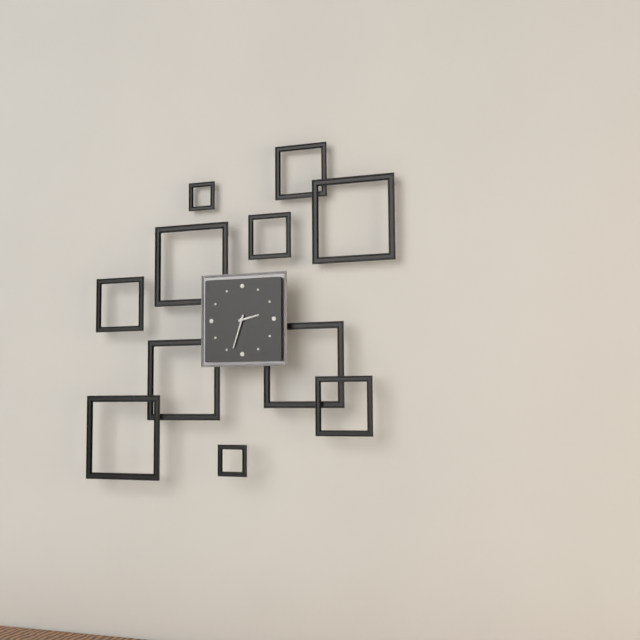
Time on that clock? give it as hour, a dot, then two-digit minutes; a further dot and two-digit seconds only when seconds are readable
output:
2.33
